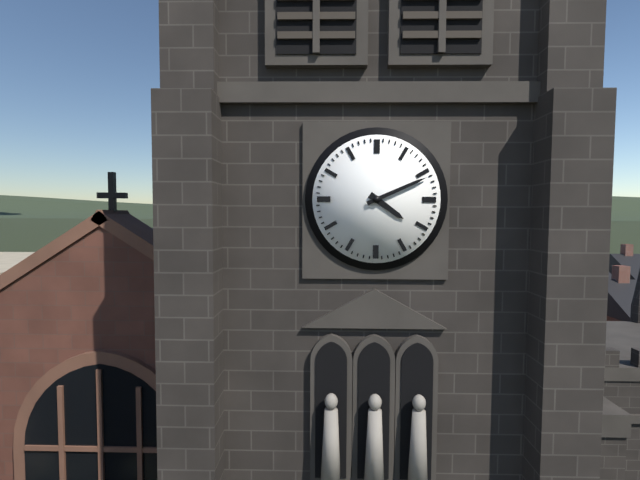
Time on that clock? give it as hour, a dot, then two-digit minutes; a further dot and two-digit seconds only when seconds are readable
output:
4.11
